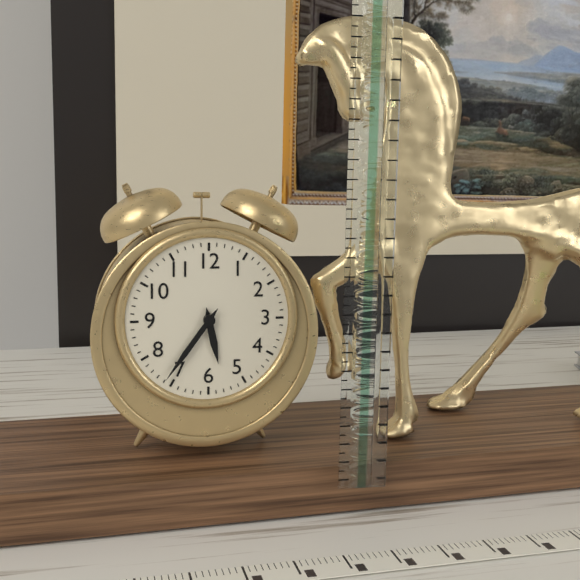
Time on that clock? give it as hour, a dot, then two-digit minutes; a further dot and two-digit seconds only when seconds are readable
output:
5.36
